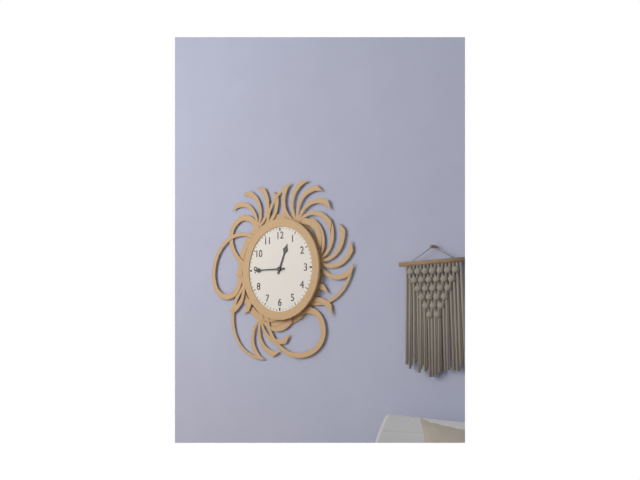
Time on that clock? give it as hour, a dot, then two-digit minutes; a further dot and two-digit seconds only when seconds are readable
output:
12.45
